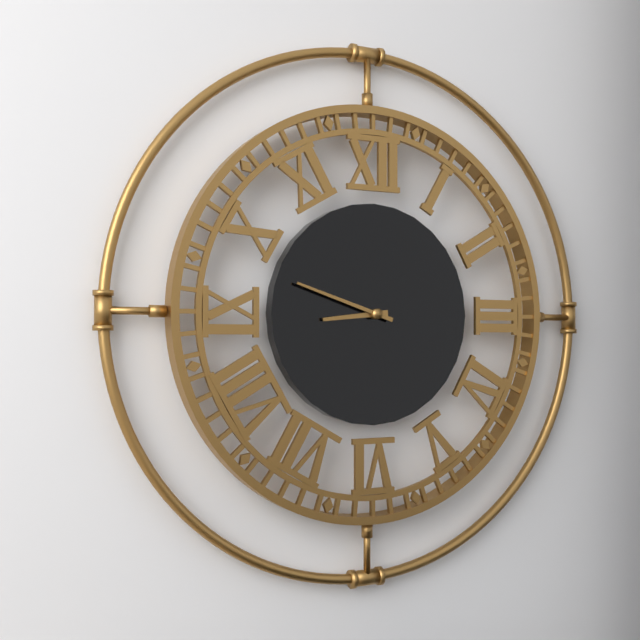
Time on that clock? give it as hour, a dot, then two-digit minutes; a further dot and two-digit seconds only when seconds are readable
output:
8.48
